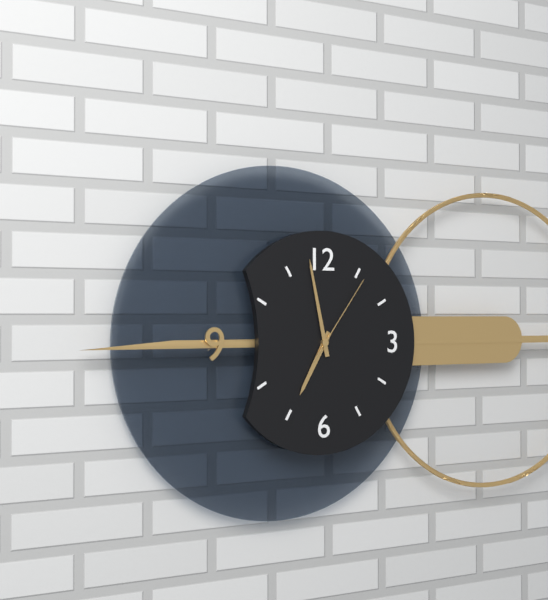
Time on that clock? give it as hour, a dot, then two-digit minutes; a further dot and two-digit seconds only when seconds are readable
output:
6.58.06
